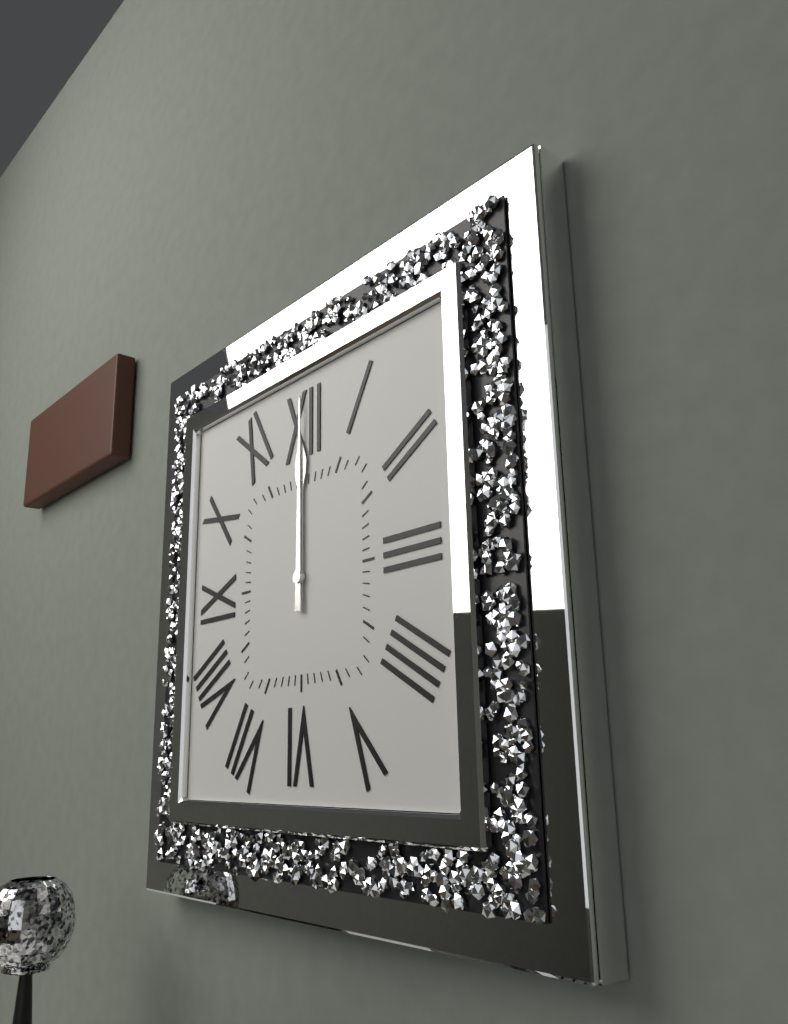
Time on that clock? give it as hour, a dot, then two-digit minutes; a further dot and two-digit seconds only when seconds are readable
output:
12.00
